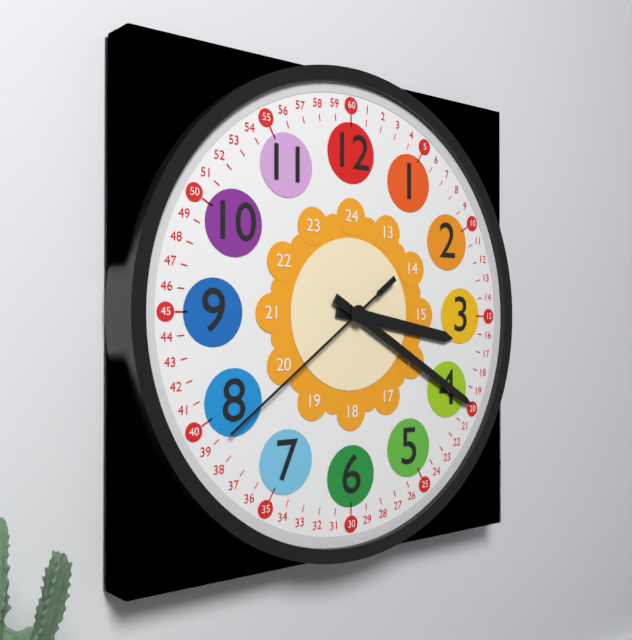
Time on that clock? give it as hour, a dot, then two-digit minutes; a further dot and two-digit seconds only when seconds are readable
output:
3.20.39
